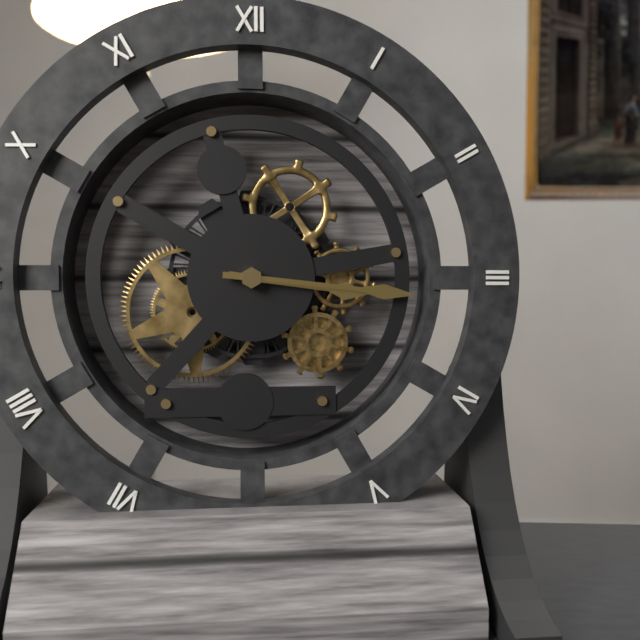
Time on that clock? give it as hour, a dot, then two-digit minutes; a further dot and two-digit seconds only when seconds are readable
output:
3.16
